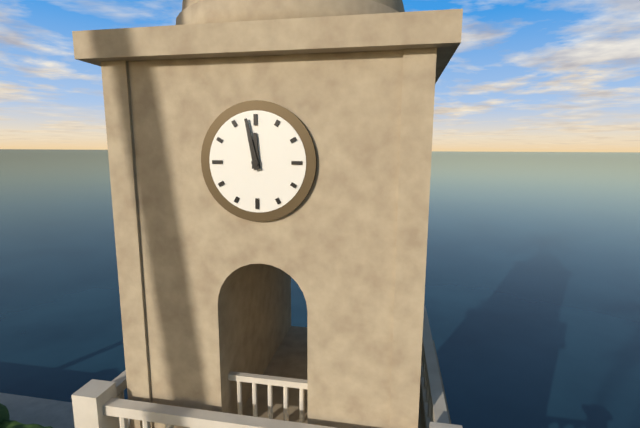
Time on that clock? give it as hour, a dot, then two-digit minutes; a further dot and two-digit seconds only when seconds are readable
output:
11.58
